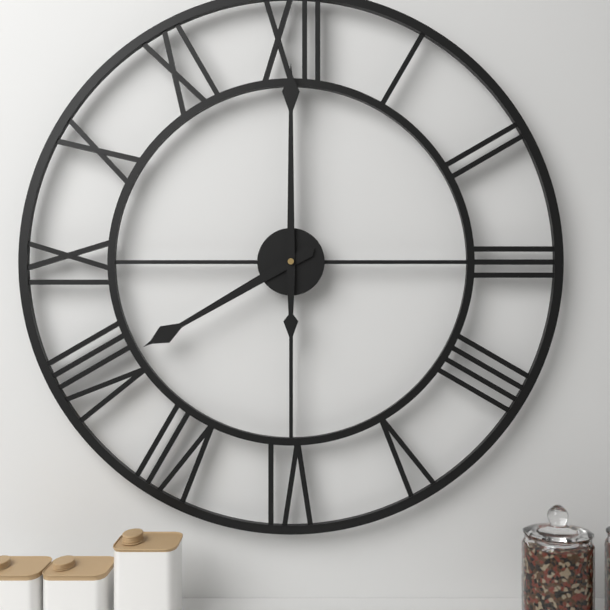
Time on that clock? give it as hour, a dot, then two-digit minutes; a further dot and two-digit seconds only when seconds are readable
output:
8.00
